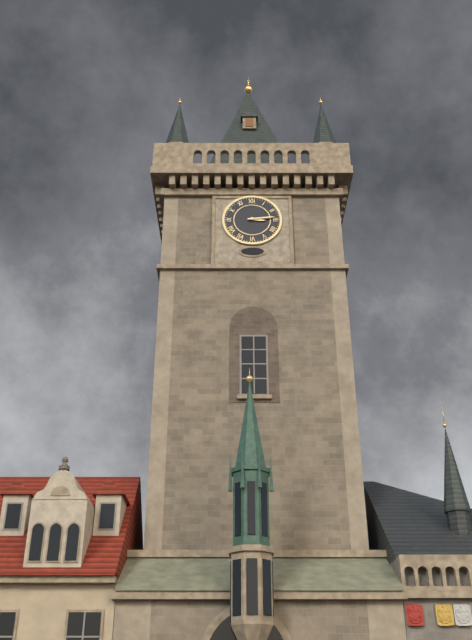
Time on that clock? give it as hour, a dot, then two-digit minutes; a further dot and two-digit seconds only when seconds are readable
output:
3.14
